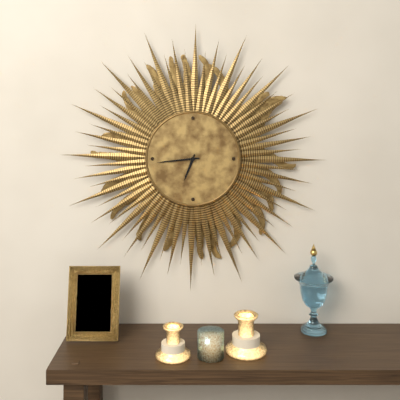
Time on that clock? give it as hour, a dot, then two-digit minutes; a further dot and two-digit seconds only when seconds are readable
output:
6.44
